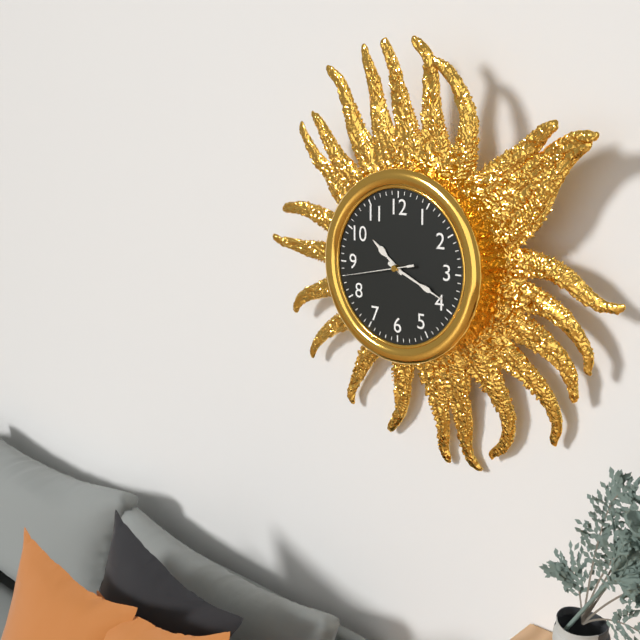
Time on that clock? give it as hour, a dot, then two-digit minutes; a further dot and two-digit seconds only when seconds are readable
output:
10.19.43
